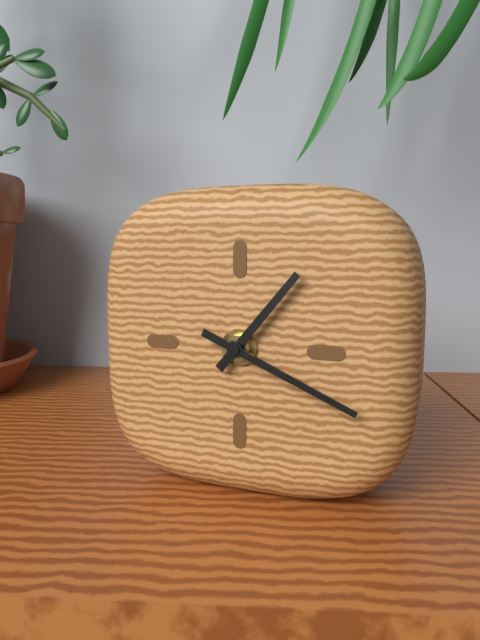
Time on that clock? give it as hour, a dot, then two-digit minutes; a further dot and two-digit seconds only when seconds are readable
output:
1.19
